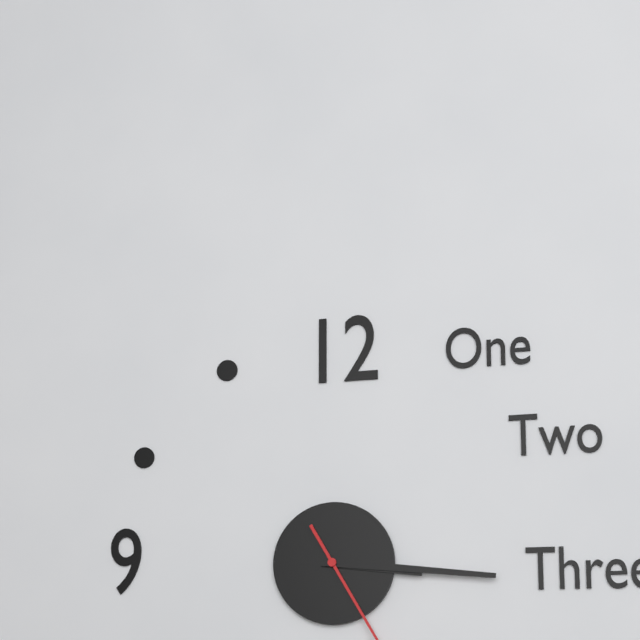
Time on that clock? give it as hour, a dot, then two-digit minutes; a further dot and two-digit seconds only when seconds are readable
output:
3.16
